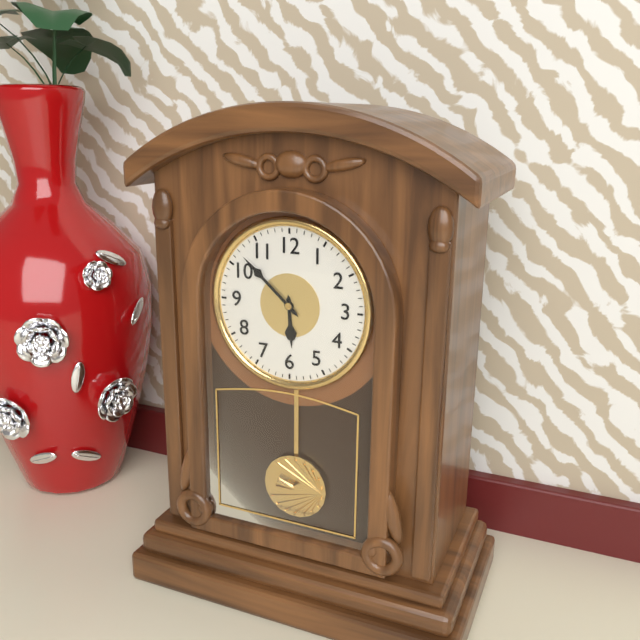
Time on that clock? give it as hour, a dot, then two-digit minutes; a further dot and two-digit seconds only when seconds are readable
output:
5.52
